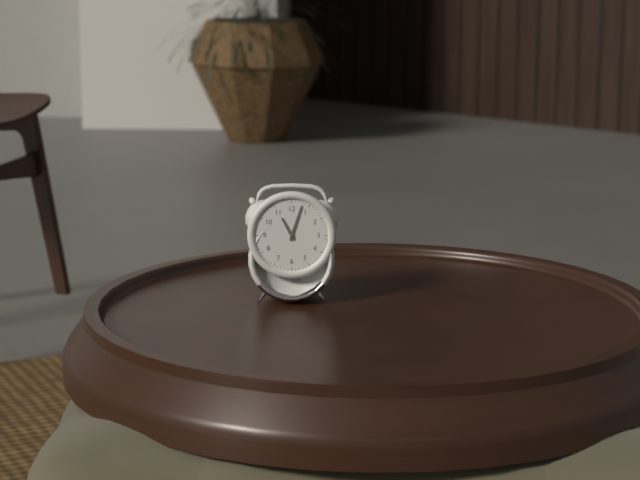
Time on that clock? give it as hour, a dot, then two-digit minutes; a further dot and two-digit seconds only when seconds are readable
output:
11.03
